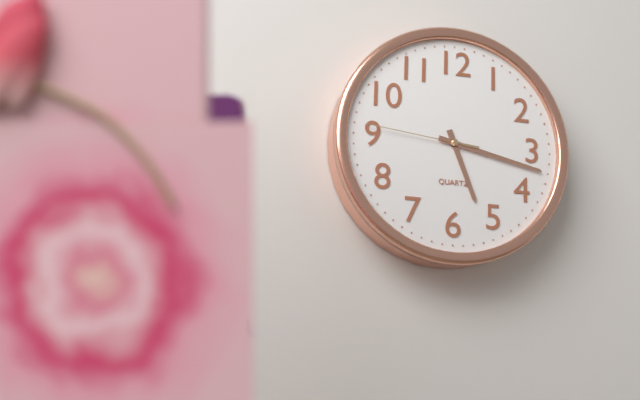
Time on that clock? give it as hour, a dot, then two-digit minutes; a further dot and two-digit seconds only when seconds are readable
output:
5.17.46
